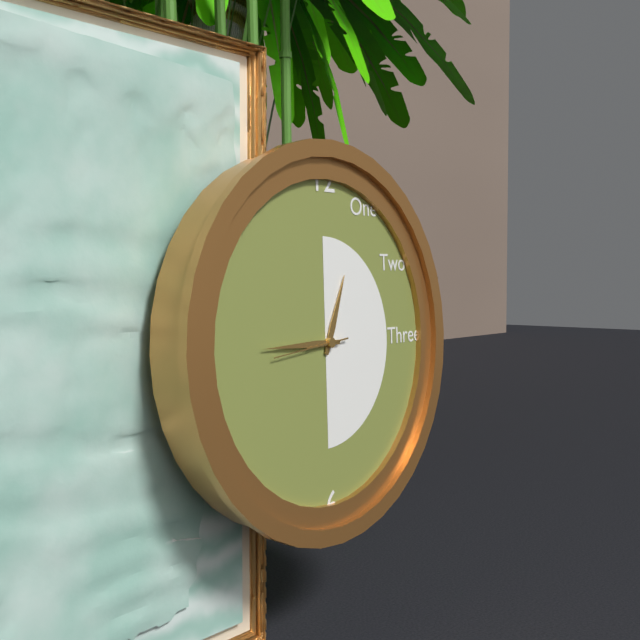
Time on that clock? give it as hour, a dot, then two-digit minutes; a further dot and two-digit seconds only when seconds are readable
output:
12.45.44
